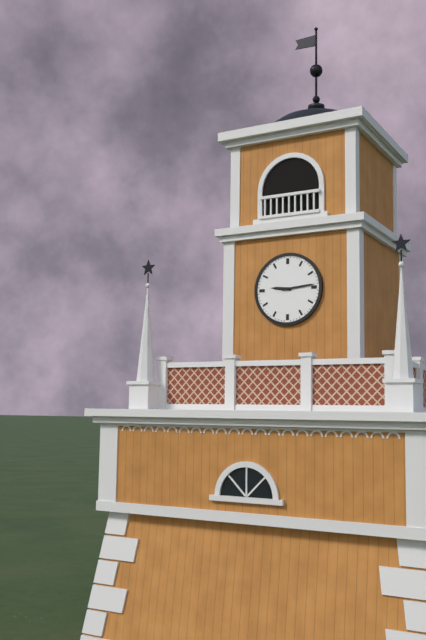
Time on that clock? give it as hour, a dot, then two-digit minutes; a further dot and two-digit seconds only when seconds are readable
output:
9.14
